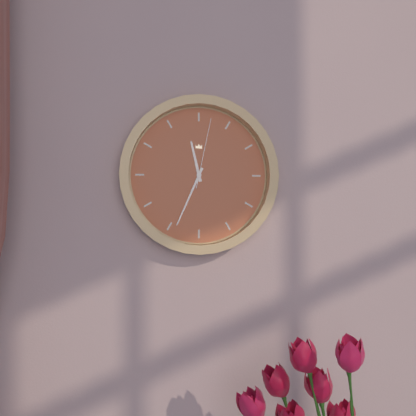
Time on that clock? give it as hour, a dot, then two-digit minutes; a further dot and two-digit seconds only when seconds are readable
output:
11.34.02
